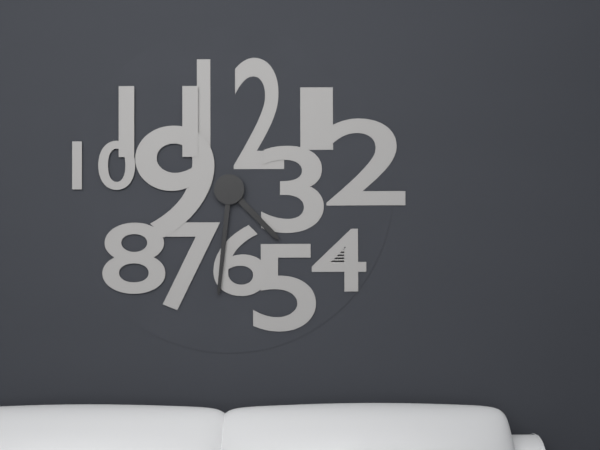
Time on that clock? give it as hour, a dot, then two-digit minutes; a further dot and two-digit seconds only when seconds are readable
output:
4.31
